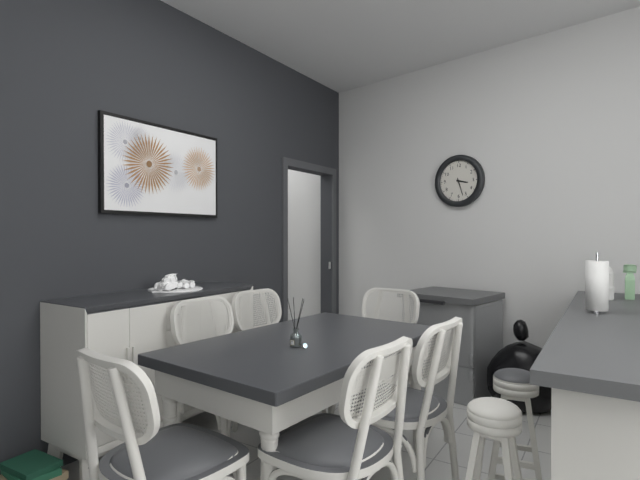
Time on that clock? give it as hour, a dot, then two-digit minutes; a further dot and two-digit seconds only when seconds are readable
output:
3.27
